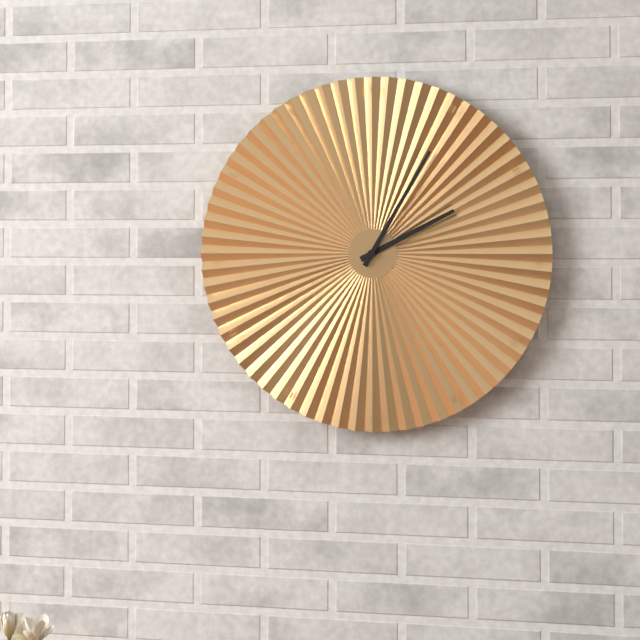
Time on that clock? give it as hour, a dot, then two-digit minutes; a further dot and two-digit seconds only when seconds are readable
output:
2.05
